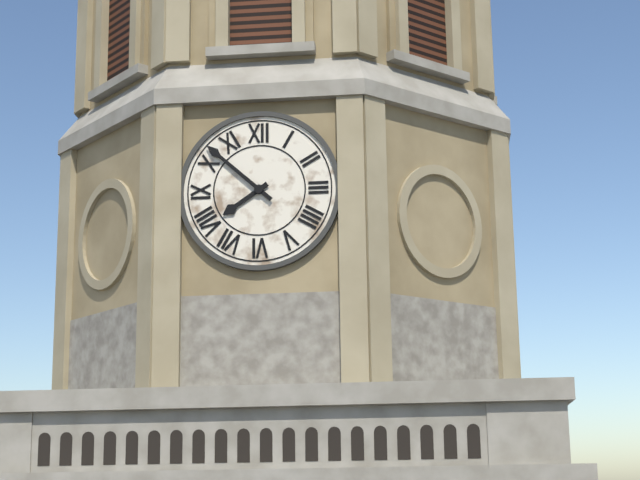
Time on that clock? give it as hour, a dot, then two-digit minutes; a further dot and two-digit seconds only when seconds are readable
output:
7.52
